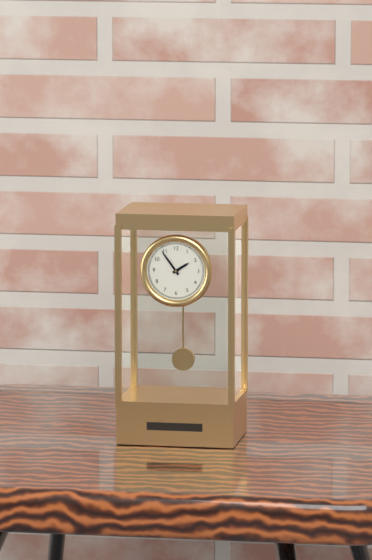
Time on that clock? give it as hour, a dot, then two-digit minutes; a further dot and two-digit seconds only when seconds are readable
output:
1.54
